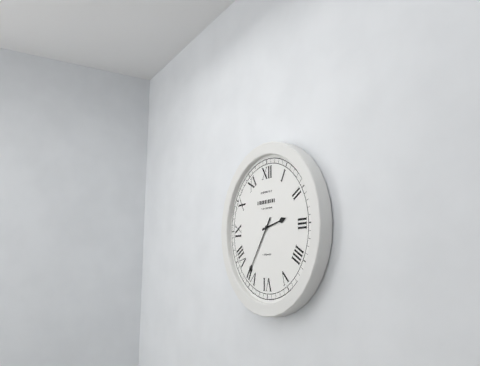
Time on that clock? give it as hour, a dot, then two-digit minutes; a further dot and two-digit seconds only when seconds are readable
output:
2.36
